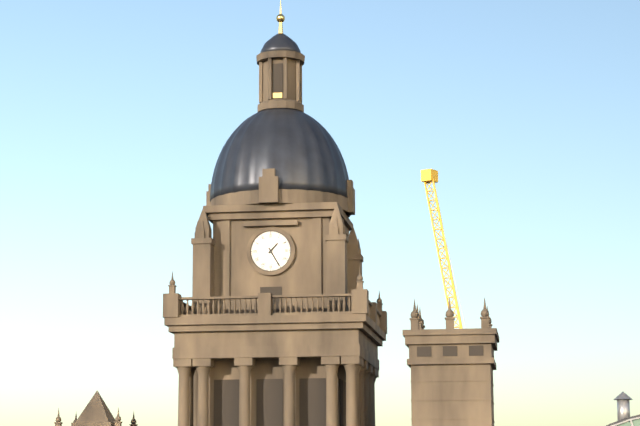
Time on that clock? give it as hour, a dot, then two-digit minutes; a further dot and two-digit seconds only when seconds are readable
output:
1.25
